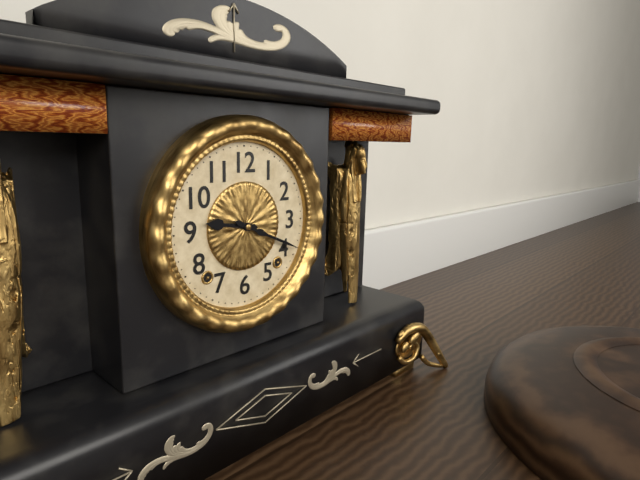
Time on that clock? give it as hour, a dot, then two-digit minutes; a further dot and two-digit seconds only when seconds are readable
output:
9.19
